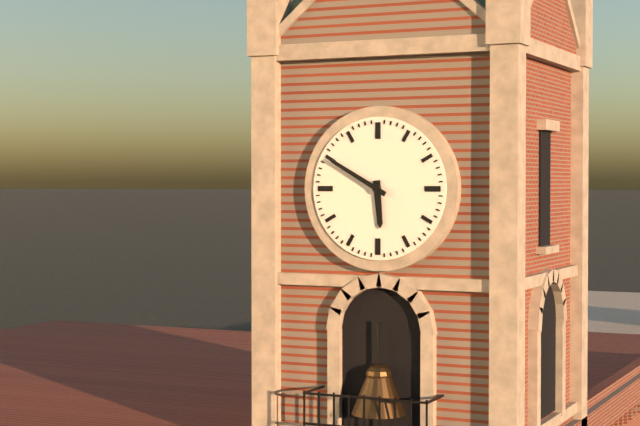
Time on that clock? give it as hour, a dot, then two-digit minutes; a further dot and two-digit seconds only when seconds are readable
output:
5.50
